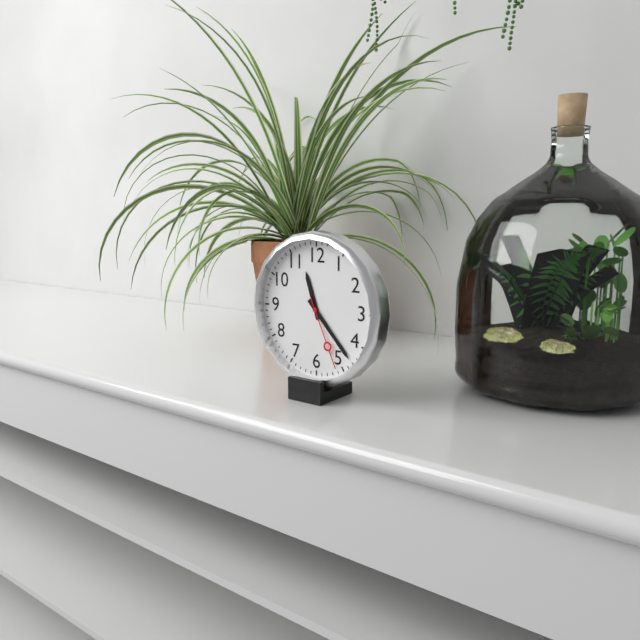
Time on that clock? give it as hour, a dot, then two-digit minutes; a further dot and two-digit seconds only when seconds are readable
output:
11.23.26
